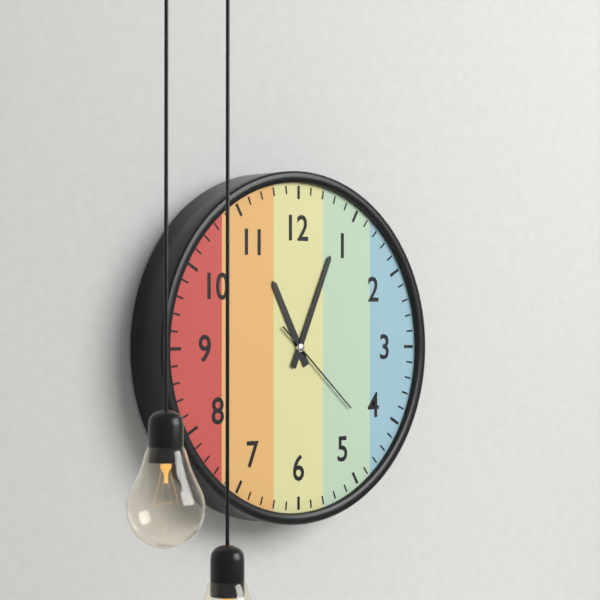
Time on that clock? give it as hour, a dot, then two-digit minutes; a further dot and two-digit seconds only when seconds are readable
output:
11.04.22
